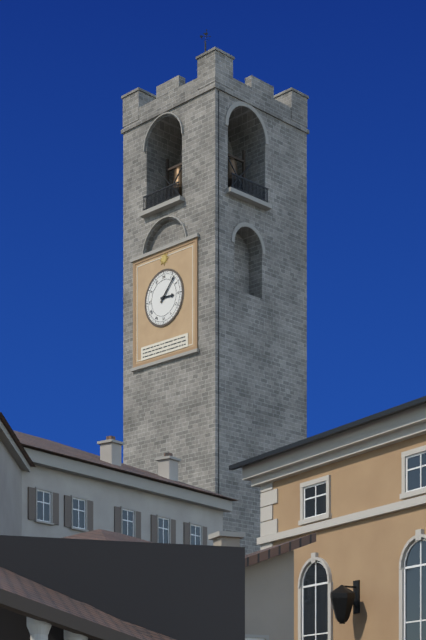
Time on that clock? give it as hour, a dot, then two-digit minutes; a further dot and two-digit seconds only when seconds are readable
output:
3.07
